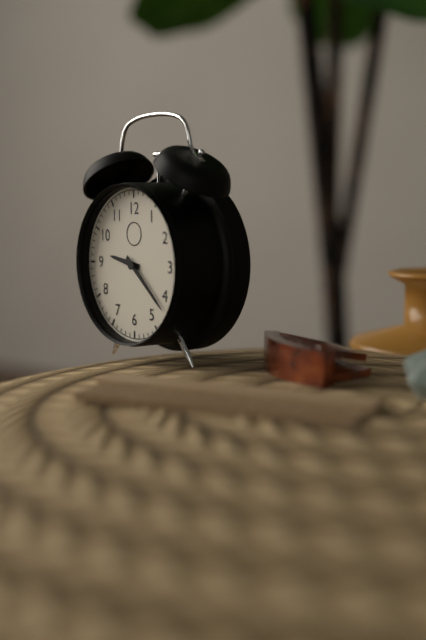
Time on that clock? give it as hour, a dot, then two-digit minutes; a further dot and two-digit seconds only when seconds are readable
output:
9.22
